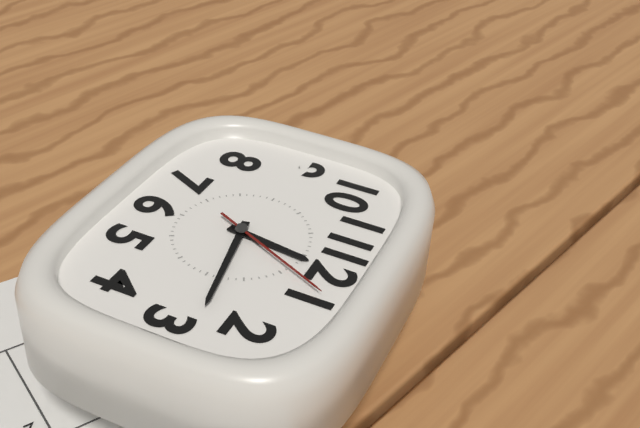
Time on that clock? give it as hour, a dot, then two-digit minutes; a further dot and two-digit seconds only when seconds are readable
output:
12.13.04
